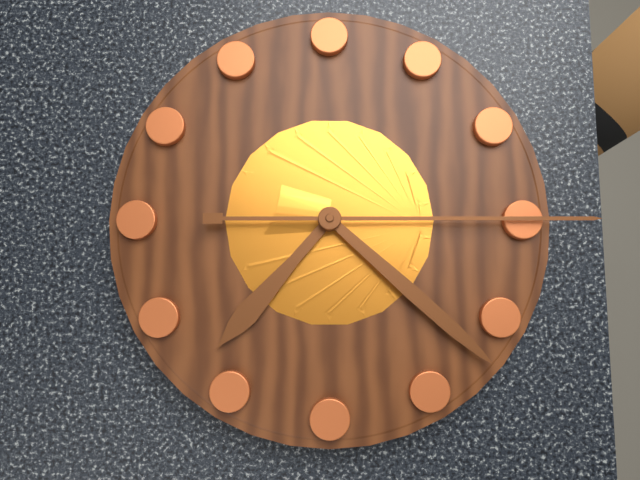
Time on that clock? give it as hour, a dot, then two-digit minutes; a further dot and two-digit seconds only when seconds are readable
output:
7.22.15
